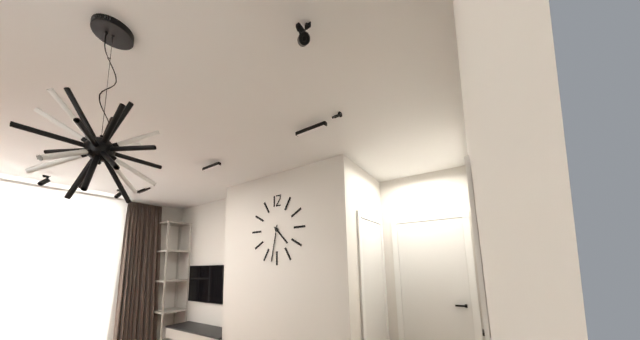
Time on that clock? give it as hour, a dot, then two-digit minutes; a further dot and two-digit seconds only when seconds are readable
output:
4.32
